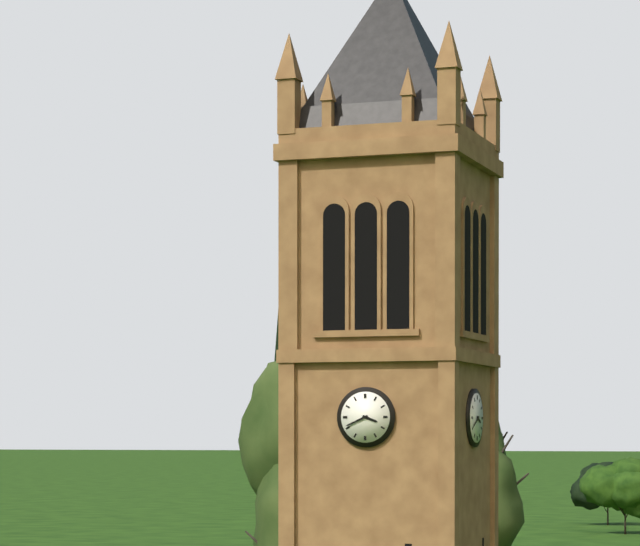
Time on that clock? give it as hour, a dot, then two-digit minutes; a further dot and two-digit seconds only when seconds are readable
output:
3.41
